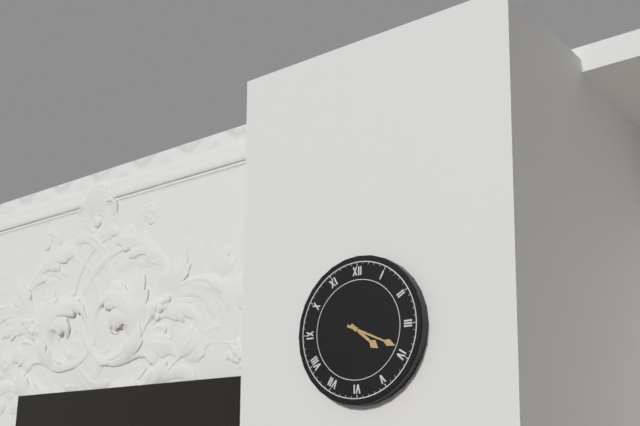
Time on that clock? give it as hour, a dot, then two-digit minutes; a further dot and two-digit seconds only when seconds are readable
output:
4.19
